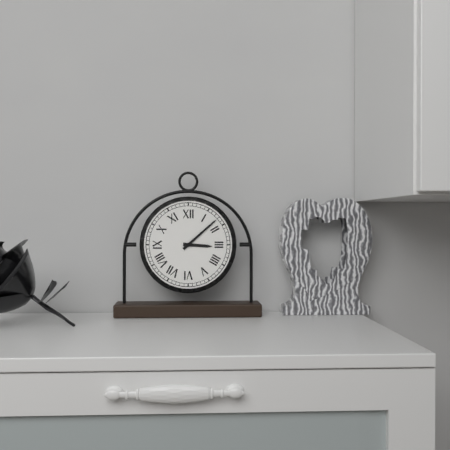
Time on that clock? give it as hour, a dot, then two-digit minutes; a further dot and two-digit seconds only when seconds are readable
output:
3.08
